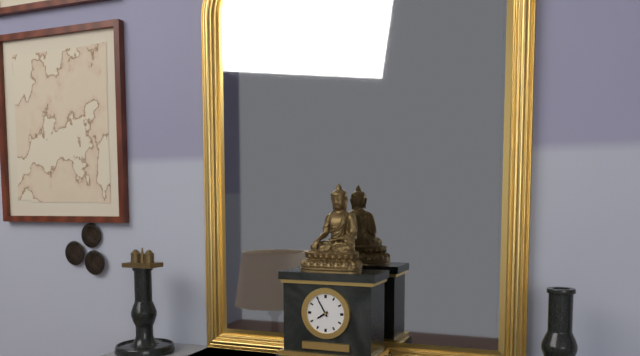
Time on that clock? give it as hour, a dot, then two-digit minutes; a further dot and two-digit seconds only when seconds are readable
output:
7.55
